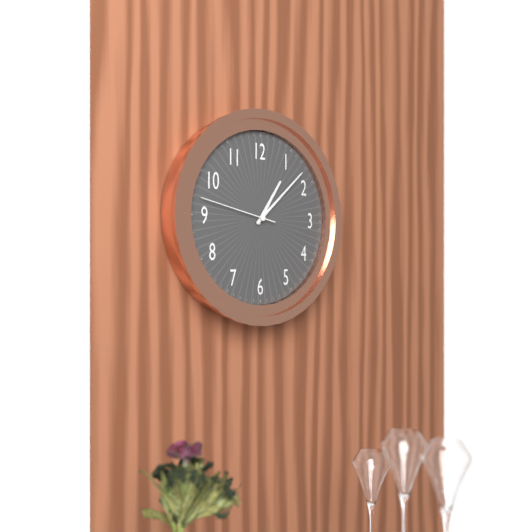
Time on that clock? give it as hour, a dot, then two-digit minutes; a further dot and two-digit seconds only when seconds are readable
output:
1.08.47
